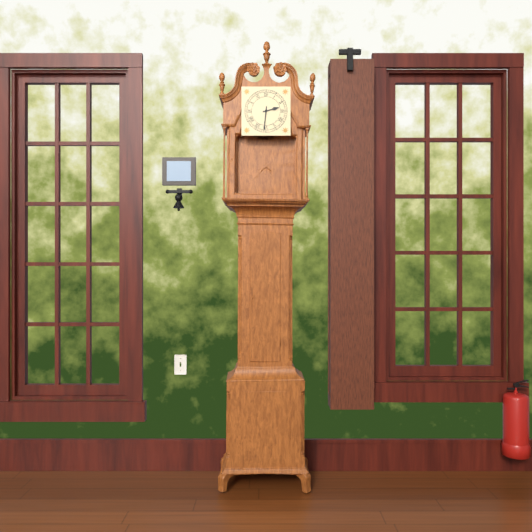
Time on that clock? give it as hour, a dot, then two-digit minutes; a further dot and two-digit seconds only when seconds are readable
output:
2.31
